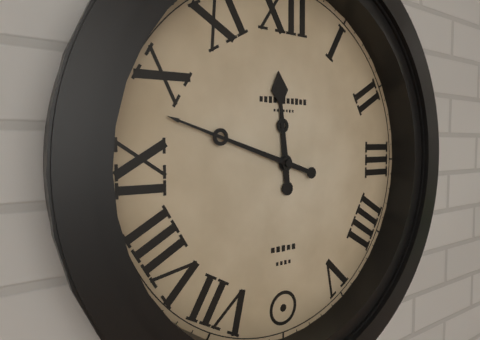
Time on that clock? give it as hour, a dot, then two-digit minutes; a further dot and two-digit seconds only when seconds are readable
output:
11.48
